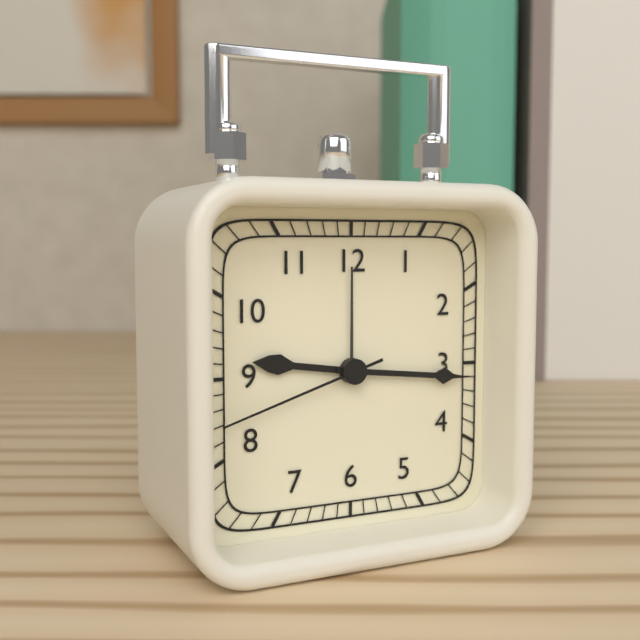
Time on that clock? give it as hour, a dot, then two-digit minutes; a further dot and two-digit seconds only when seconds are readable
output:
9.16.42
